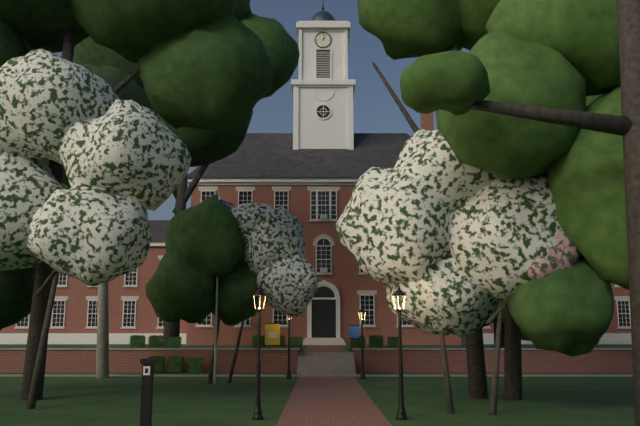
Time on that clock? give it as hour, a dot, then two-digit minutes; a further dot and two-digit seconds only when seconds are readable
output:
1.02
